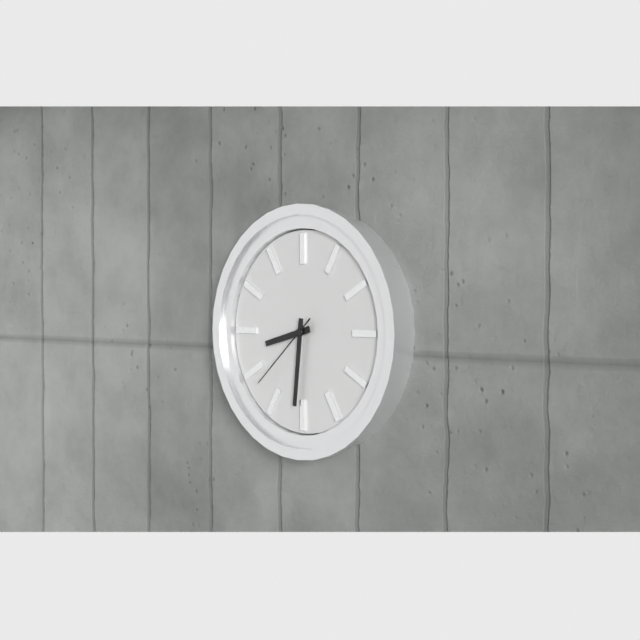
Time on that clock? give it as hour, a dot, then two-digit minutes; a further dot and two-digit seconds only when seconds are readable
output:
8.31.38
